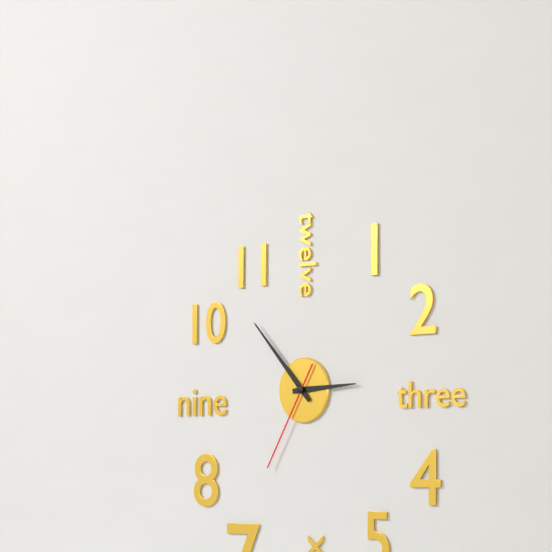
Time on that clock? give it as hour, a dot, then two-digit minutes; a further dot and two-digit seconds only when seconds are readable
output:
2.53.35
